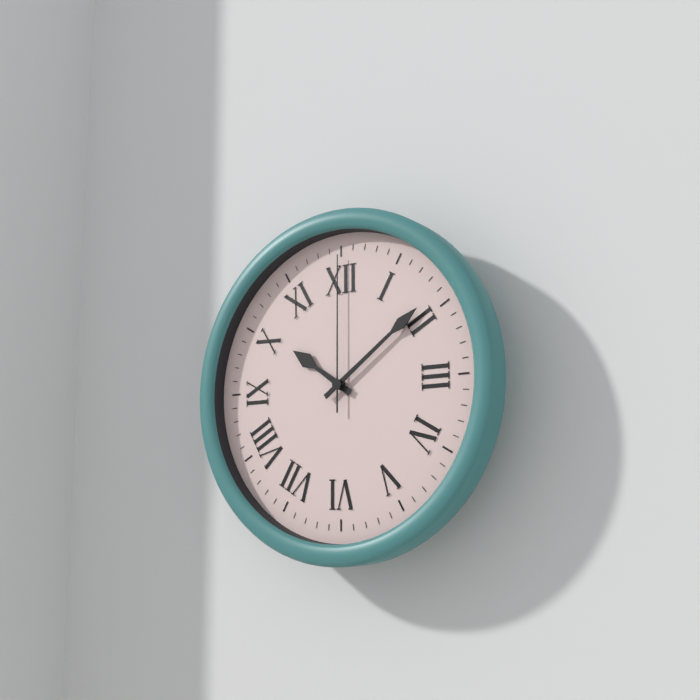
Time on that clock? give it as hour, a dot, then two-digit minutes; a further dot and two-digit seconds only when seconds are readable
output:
10.09.00
